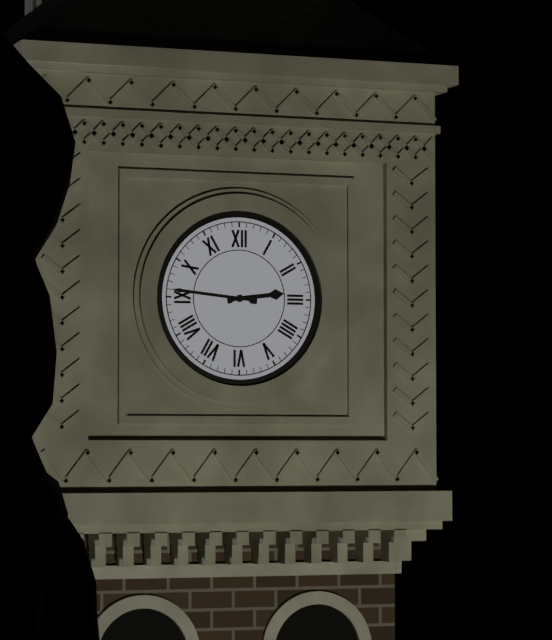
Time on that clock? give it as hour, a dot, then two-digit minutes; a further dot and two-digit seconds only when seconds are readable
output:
2.46
